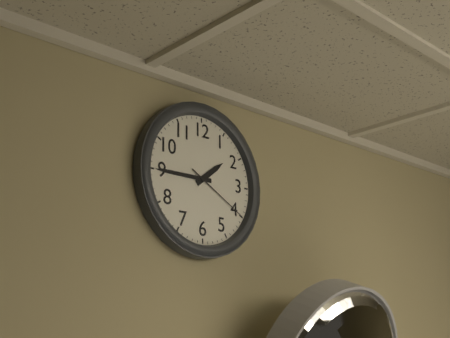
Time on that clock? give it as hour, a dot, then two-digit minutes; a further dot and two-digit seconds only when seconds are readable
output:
1.45.20
